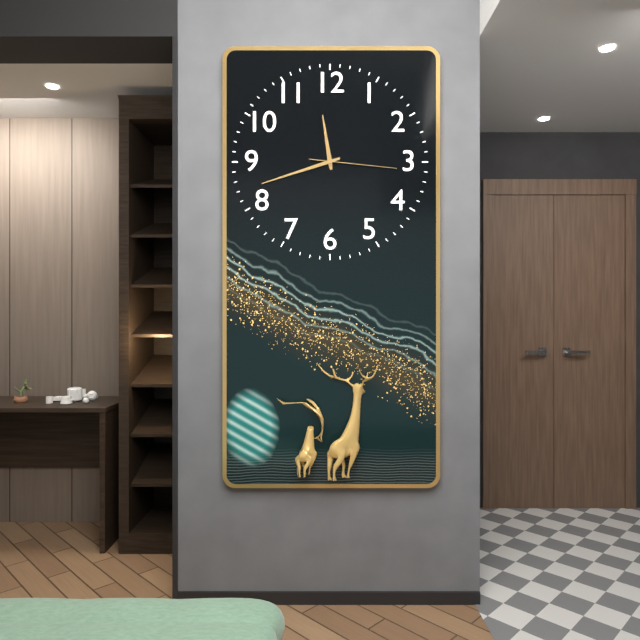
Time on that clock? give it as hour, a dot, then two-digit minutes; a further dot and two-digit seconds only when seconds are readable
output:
11.42.16
